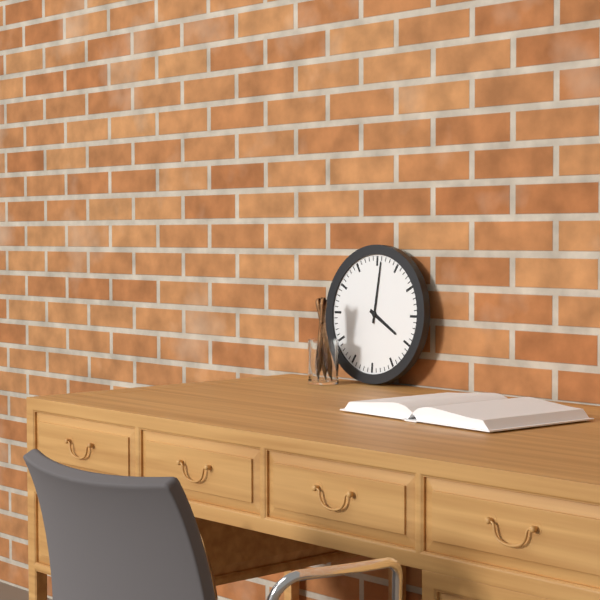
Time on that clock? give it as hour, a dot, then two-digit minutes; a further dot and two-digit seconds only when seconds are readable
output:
4.01
